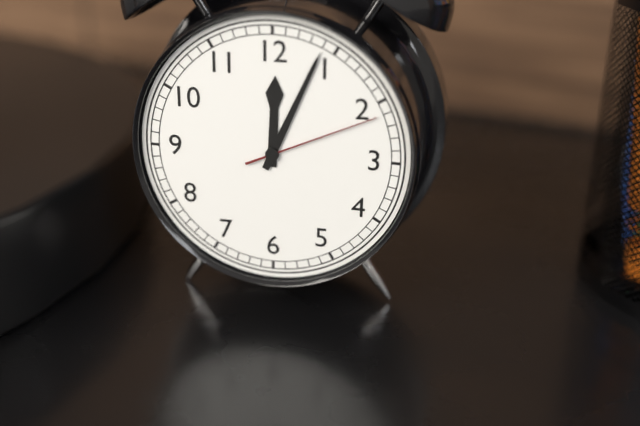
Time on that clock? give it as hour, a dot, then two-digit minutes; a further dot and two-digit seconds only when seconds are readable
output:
12.04.11
